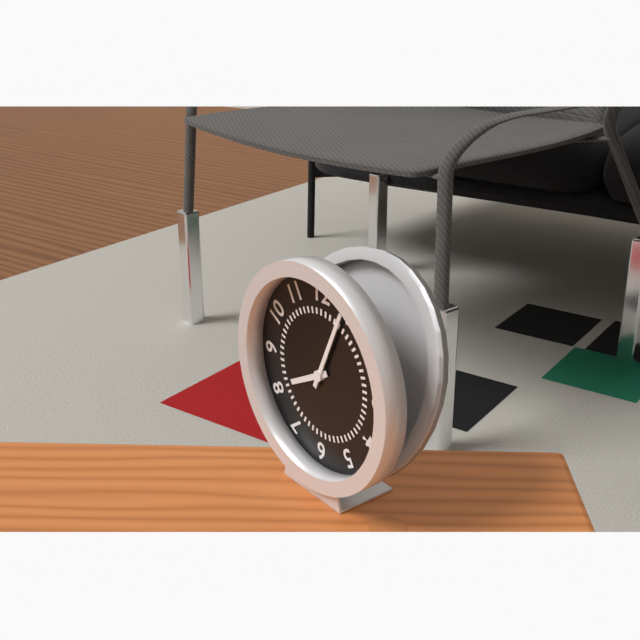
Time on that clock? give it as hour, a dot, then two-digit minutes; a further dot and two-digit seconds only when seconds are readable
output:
8.04
